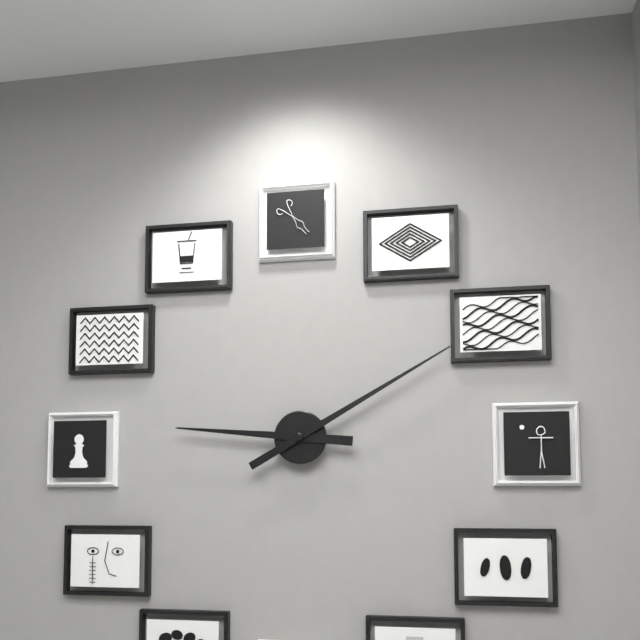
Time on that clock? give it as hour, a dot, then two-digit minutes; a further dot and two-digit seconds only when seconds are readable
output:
9.10
